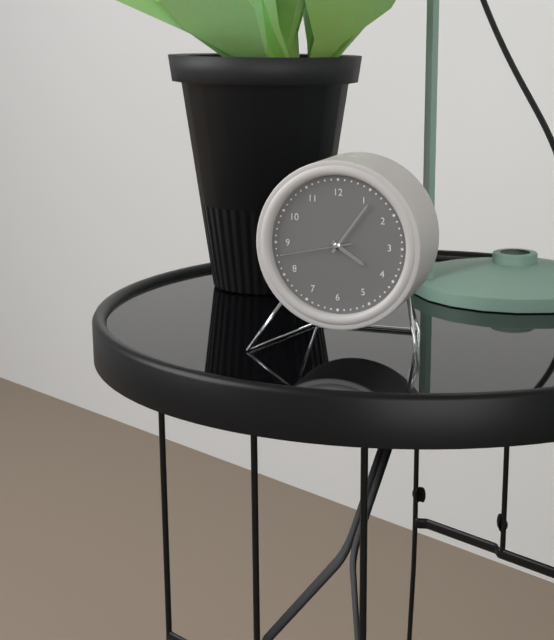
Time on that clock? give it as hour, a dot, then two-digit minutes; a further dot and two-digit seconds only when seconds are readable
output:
4.06.43
